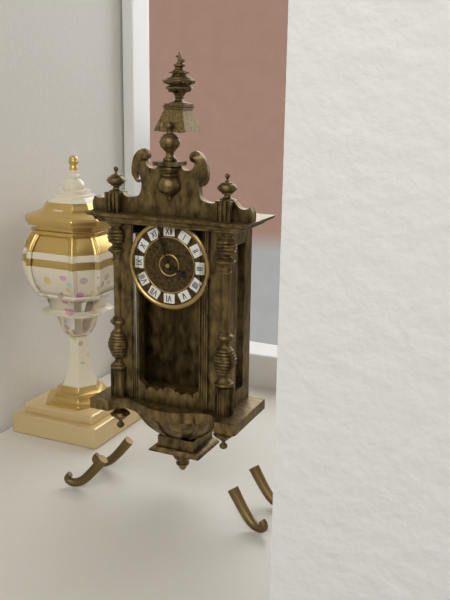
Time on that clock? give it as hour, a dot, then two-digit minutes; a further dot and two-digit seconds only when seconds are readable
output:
3.57
